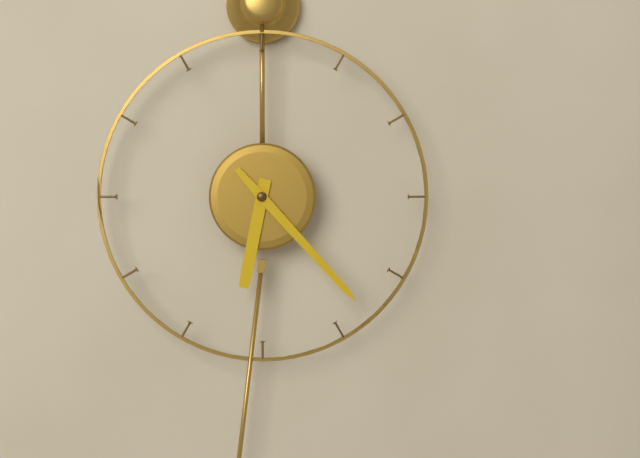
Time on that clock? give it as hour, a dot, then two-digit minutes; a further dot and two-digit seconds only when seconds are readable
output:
6.23
